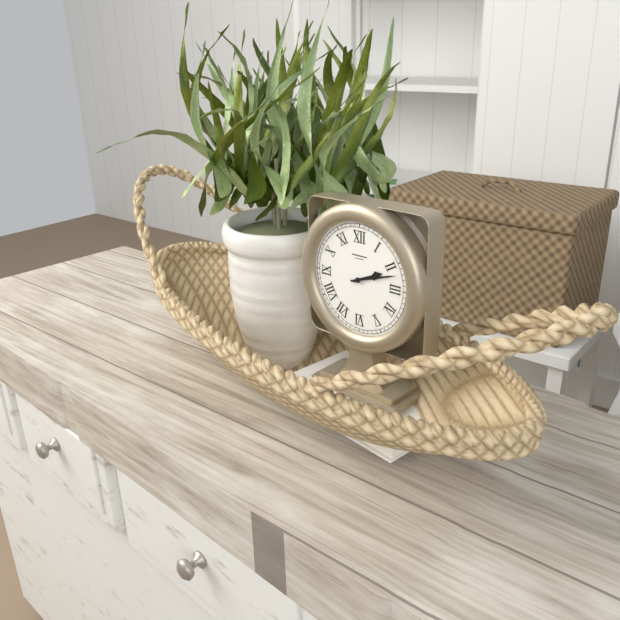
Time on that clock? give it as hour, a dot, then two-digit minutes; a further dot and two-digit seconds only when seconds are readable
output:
2.12
